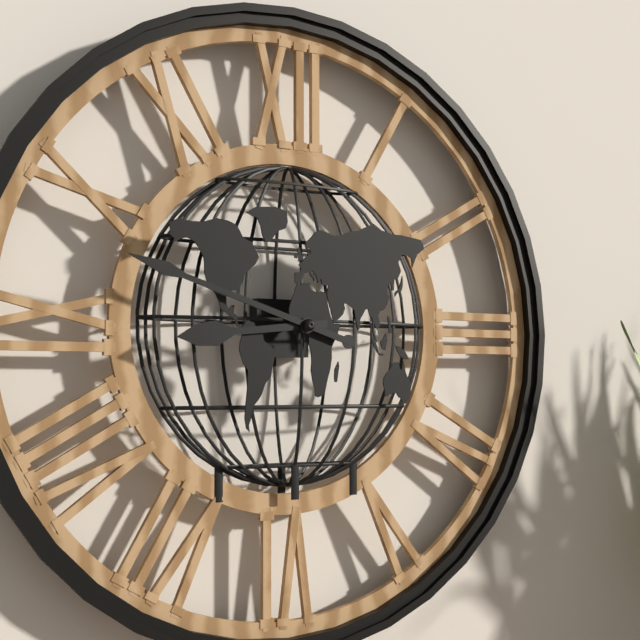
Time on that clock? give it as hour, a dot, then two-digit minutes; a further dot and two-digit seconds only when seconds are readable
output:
8.48
